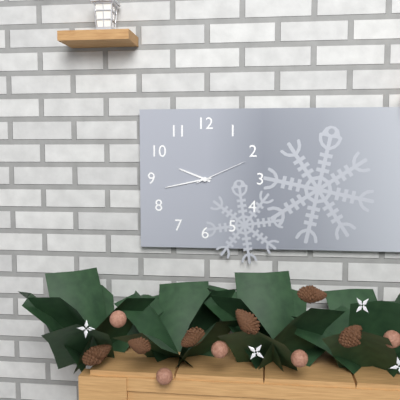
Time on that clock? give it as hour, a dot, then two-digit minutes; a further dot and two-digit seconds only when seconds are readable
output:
9.43.11
